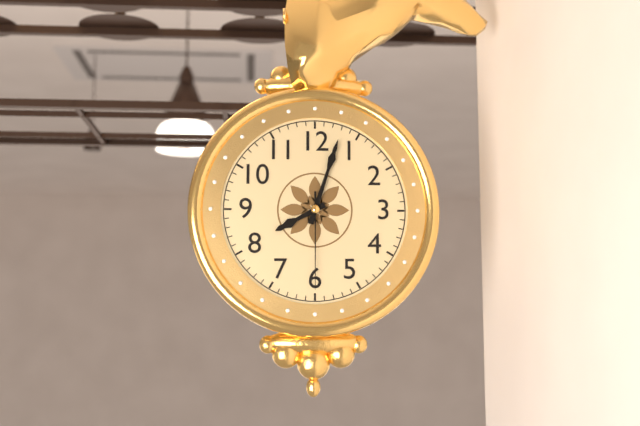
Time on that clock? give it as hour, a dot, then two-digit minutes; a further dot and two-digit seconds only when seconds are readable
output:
8.03.30
